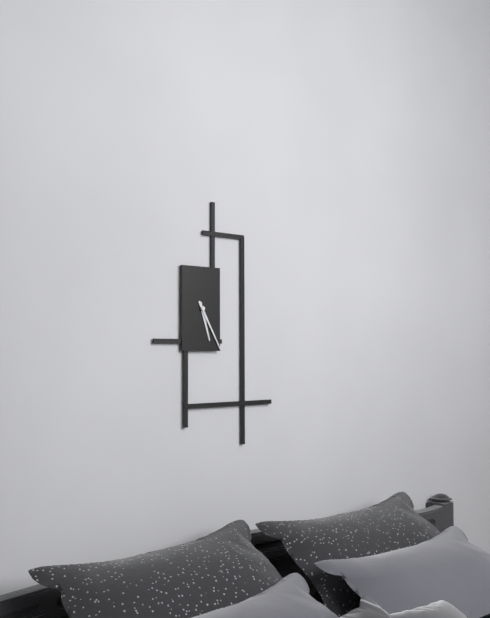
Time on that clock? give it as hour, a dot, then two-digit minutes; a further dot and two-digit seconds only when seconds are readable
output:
5.25
